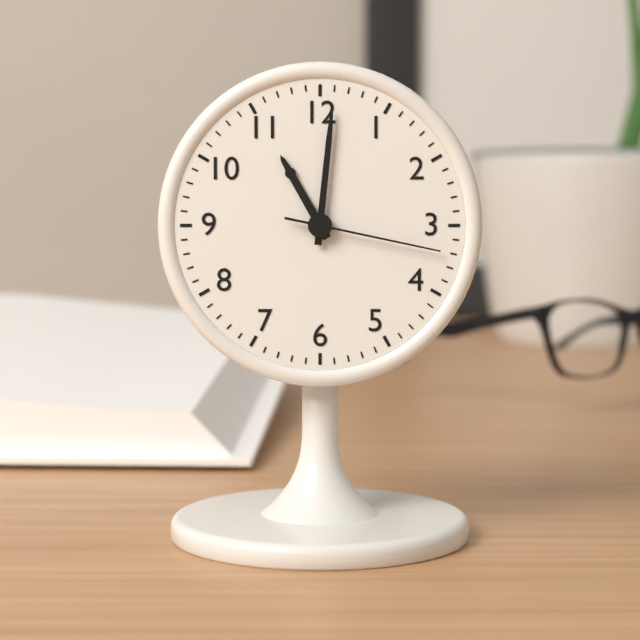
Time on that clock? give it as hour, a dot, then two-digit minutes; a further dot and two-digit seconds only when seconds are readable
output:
11.01.17
